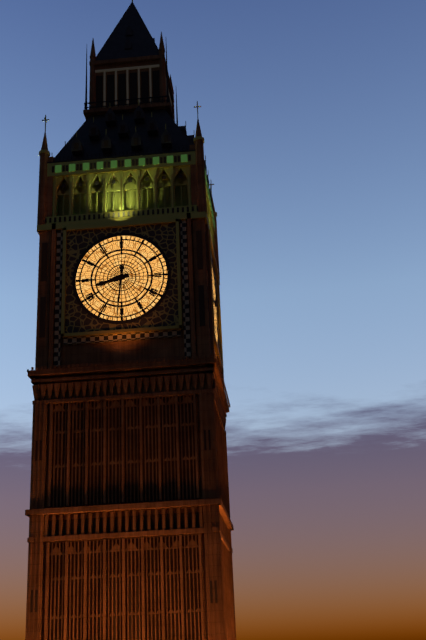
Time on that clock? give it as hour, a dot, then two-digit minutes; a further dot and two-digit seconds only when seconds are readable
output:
8.31
